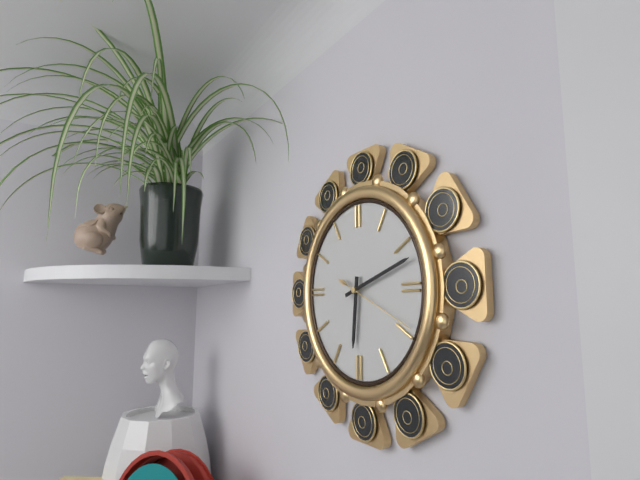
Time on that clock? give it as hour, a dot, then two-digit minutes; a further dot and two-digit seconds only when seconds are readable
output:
6.12.19
